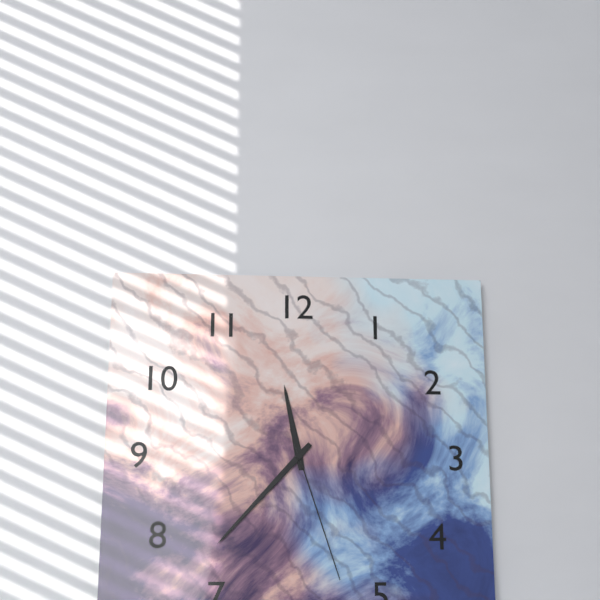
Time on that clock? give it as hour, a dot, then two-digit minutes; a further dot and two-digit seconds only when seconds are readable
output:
11.37.27
